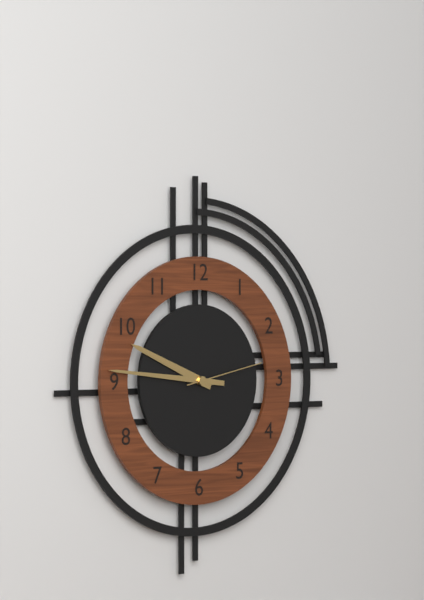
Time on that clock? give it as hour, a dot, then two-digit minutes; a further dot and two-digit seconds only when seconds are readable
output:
9.46.13
